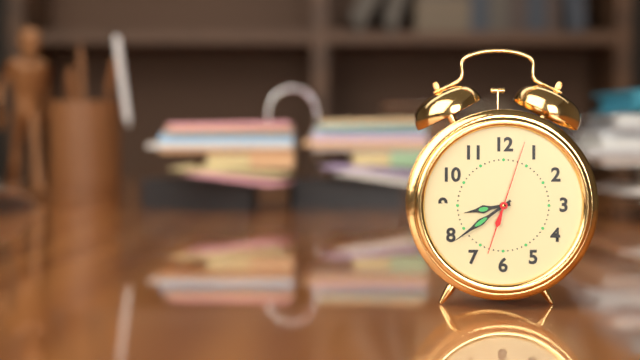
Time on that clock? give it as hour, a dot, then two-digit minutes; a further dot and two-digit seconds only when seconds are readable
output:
8.39.03
